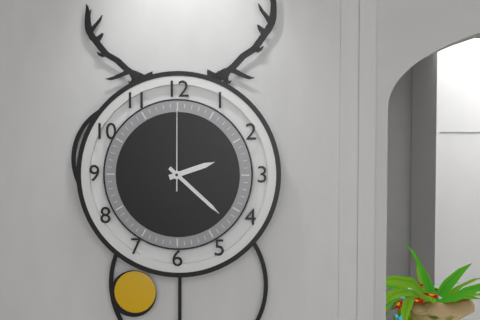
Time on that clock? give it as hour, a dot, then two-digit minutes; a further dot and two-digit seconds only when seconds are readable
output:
2.22.00
